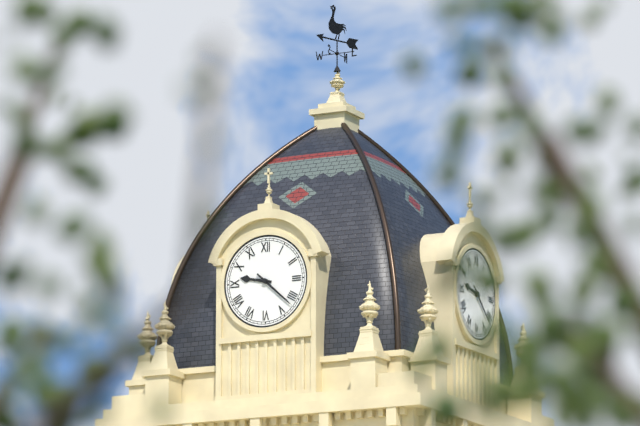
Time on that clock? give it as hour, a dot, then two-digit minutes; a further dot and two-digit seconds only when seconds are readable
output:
9.22
